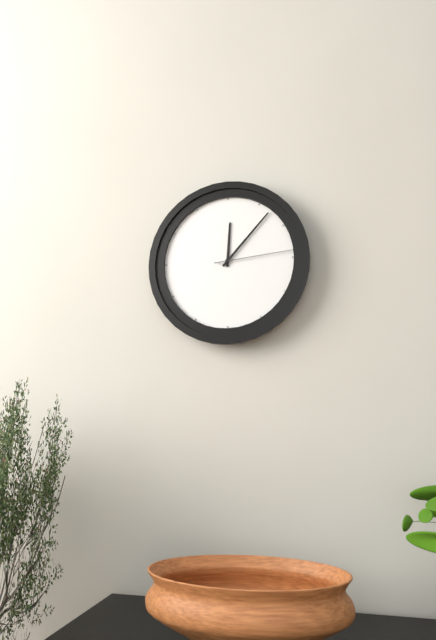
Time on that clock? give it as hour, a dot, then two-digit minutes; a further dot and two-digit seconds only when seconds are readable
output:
12.07.14
